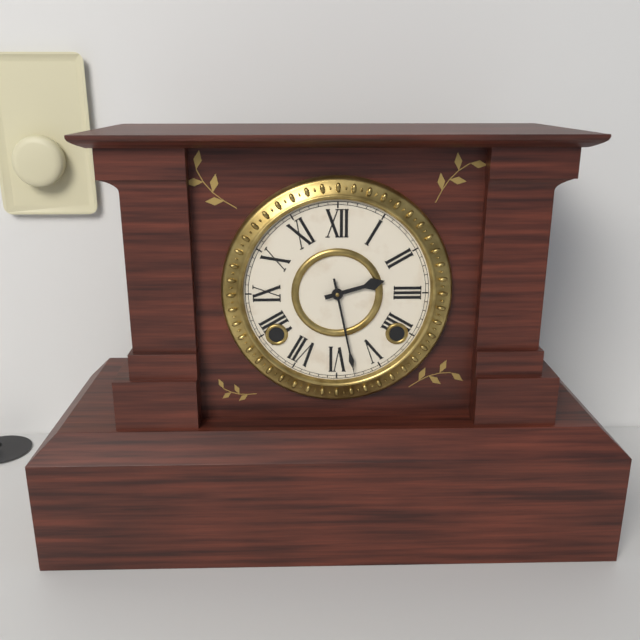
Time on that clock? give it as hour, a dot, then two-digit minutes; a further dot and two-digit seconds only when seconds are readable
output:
2.28
